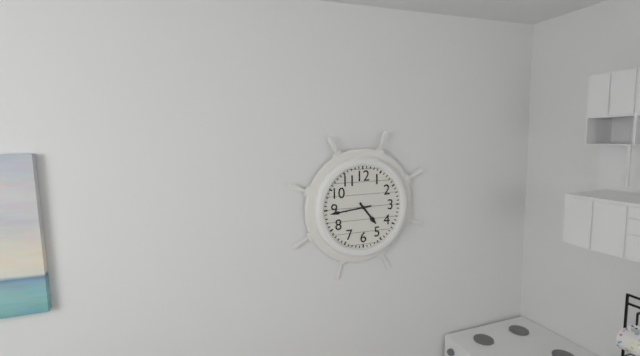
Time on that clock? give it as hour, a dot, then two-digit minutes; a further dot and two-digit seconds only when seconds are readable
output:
4.44
